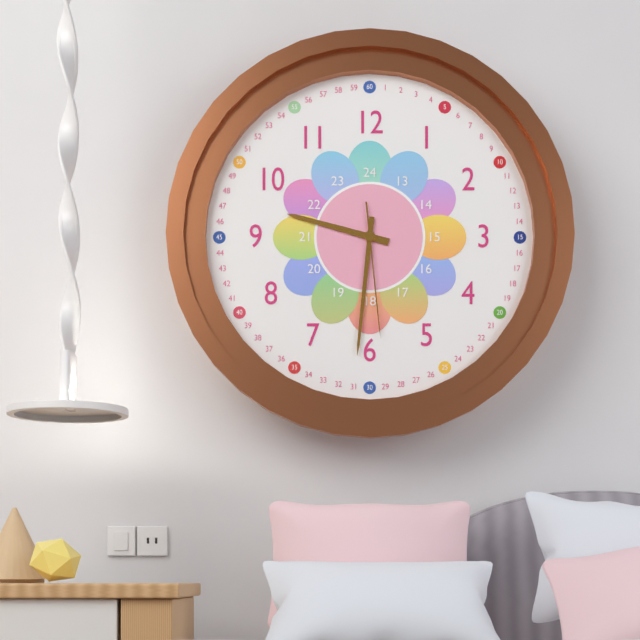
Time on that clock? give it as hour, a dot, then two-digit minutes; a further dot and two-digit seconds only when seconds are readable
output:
9.31.29
